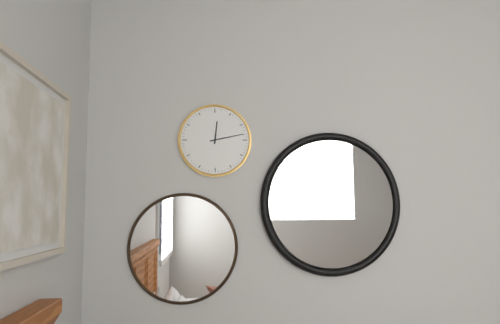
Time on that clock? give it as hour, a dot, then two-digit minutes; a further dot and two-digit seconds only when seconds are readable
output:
12.13
